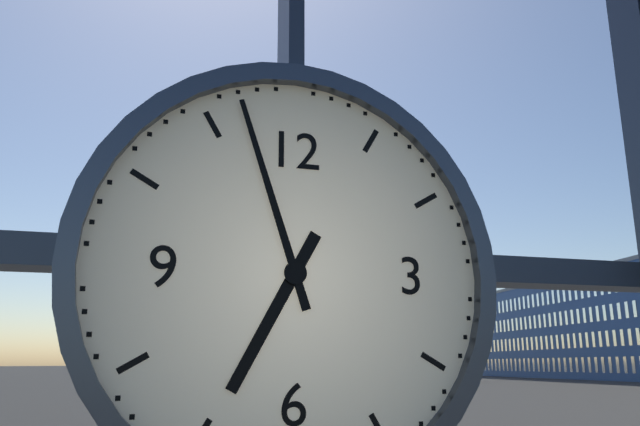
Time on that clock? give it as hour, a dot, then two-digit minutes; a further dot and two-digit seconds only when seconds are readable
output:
6.57
